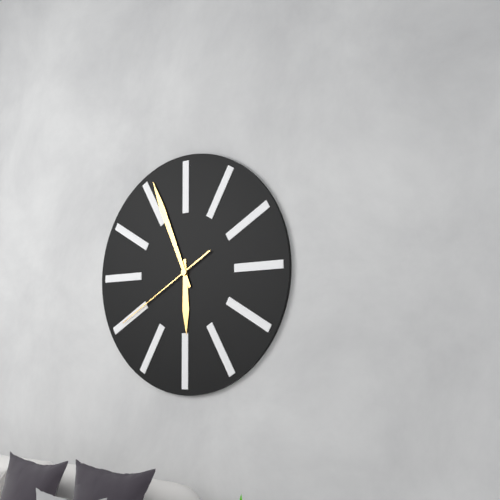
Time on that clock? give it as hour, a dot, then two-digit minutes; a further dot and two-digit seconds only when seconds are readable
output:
5.56.40
